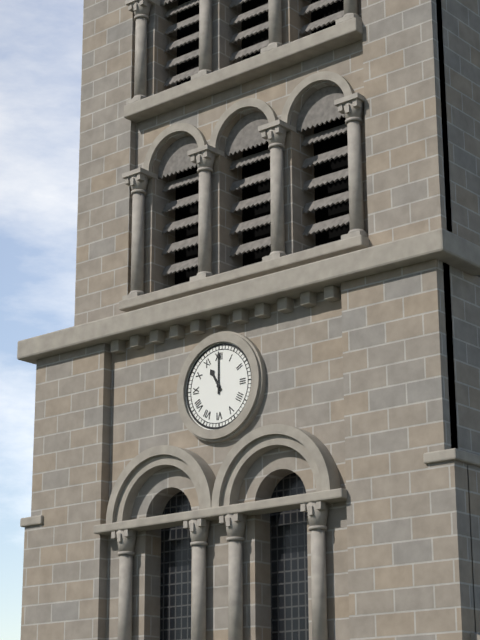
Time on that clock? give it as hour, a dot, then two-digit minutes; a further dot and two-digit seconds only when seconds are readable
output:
11.00
